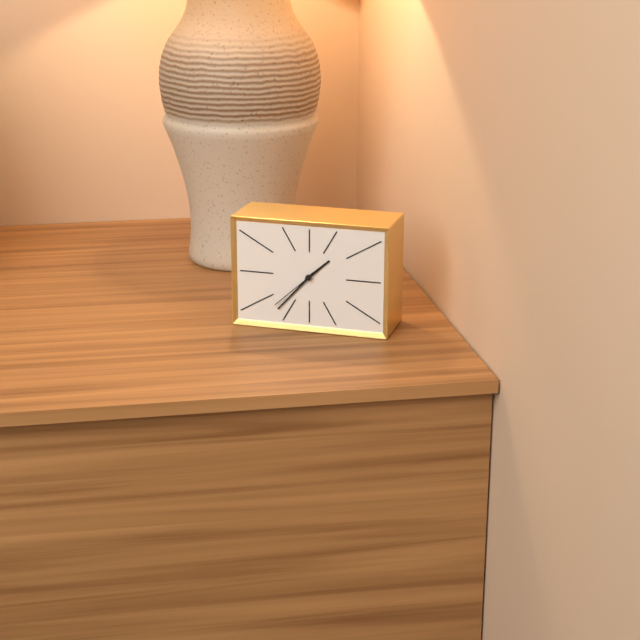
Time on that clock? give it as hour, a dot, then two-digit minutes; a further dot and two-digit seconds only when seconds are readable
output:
1.37.38
